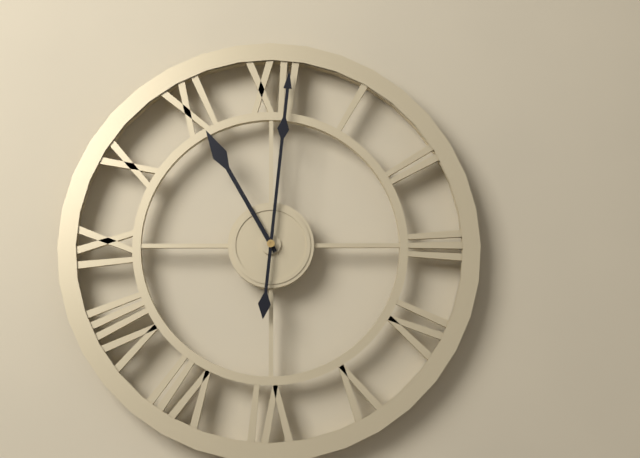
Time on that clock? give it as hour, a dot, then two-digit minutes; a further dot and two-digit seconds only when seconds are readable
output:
11.01
